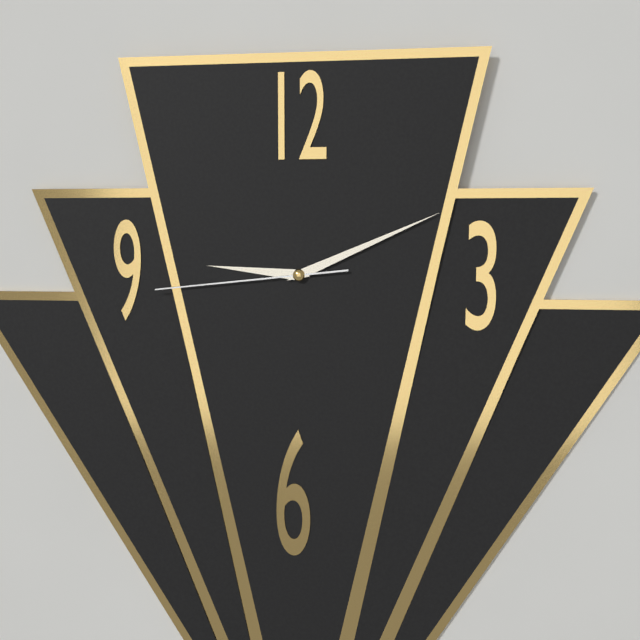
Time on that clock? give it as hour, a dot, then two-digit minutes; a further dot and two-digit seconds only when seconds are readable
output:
9.11.44
